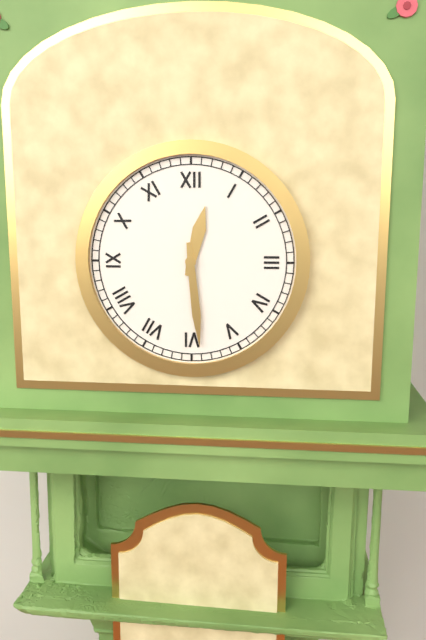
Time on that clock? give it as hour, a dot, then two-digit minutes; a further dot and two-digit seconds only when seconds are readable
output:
12.29
